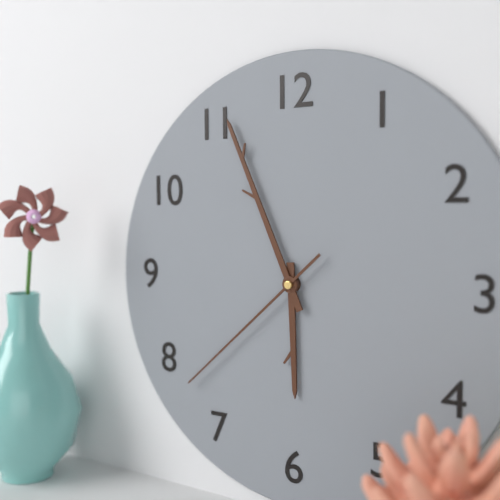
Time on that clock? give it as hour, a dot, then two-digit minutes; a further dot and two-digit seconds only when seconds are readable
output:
5.56.38
